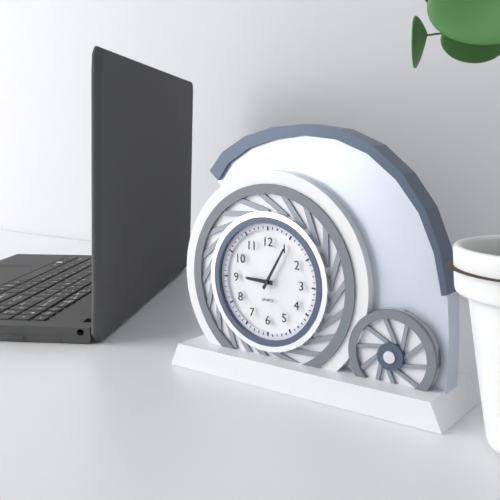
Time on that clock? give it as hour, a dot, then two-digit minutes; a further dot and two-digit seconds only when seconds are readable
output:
9.05
